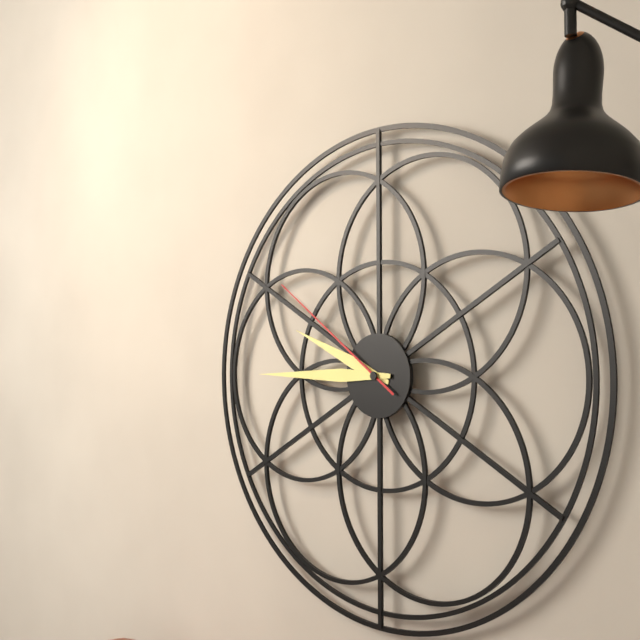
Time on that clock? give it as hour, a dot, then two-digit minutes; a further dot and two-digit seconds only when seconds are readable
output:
9.45.51
